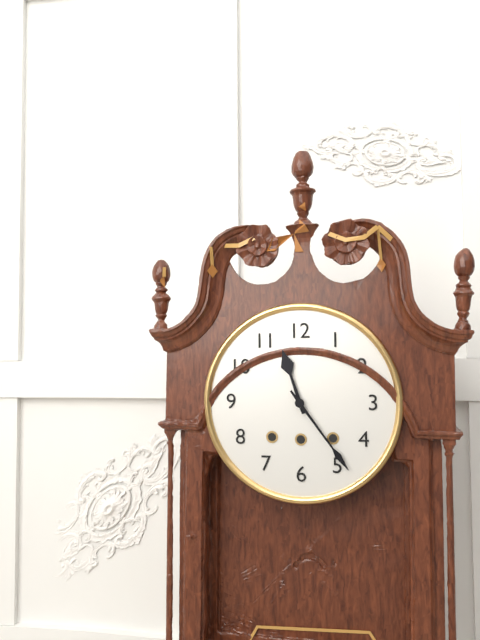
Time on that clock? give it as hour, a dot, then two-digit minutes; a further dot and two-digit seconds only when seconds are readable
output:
11.24
